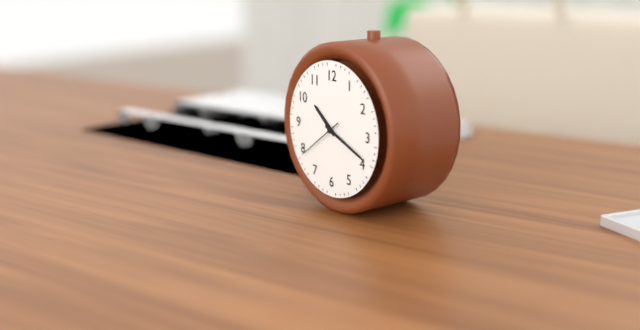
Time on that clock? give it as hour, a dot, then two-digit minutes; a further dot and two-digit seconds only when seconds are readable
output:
10.19
